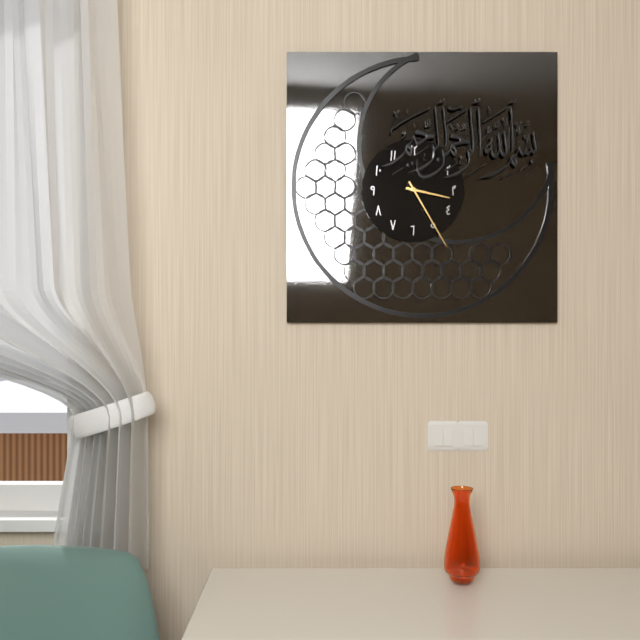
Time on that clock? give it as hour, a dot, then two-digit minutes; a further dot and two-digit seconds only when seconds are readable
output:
3.25
